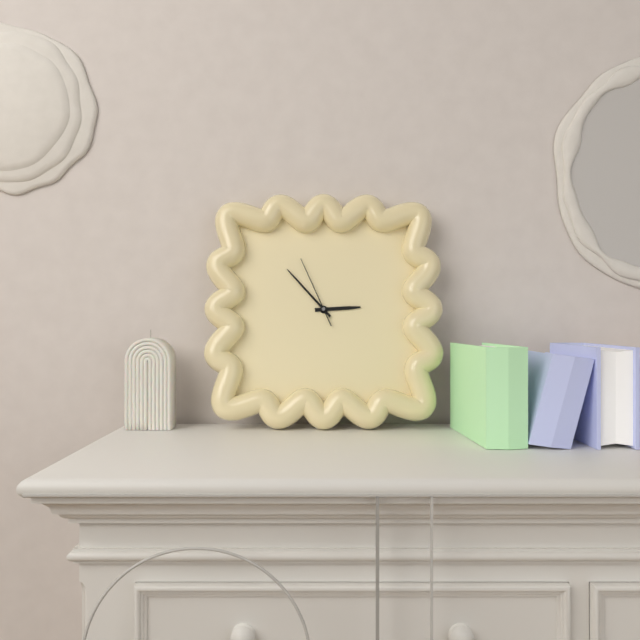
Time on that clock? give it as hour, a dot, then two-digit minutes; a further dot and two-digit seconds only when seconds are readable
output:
2.53.56
